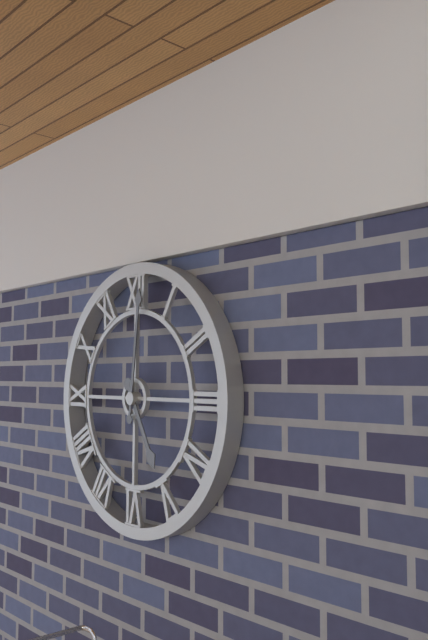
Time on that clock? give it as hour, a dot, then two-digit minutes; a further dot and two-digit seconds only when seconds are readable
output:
5.01
